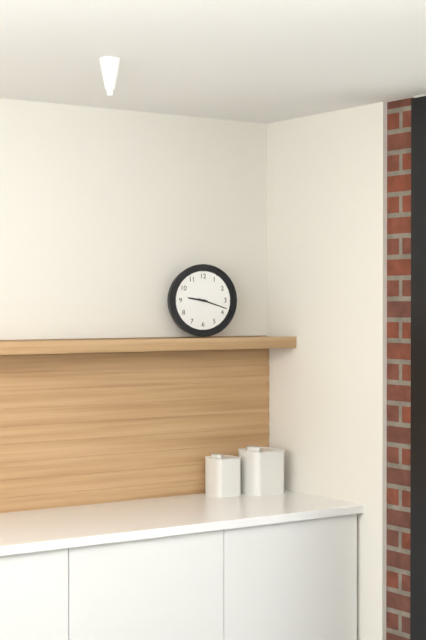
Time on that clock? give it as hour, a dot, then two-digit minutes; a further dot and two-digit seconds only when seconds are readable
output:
9.18
